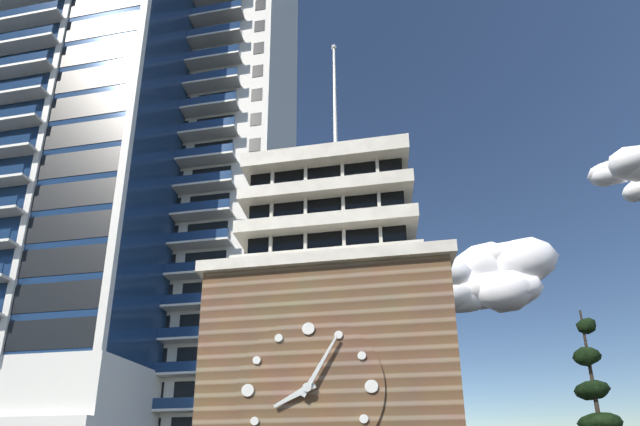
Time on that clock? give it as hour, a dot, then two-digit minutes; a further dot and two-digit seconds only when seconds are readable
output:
8.05
